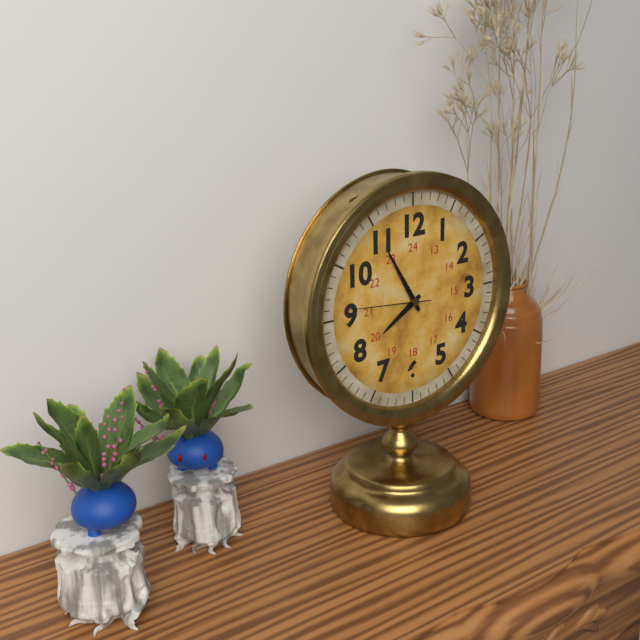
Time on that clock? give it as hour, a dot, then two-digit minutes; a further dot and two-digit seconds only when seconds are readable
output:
7.55.46
